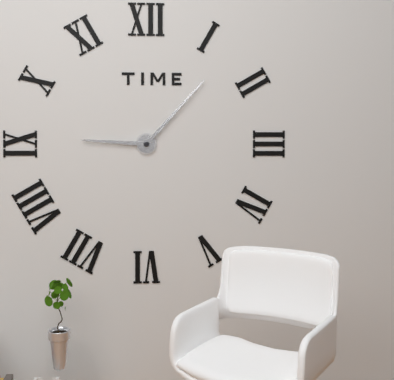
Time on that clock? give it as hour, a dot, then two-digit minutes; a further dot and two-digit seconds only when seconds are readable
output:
9.07
